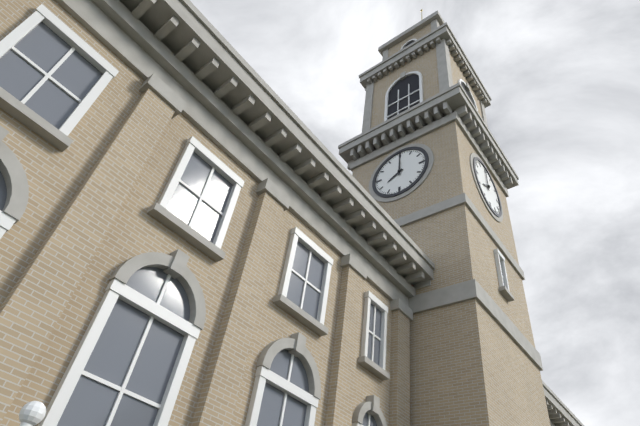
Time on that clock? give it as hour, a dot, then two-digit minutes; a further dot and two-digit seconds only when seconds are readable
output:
8.00
